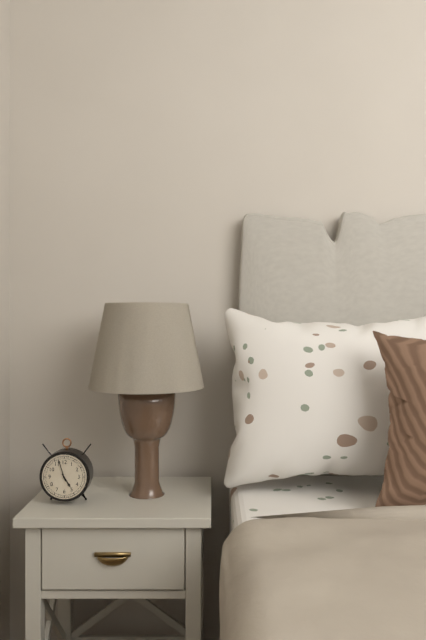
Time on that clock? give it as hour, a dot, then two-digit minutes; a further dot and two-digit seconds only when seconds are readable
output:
4.57
